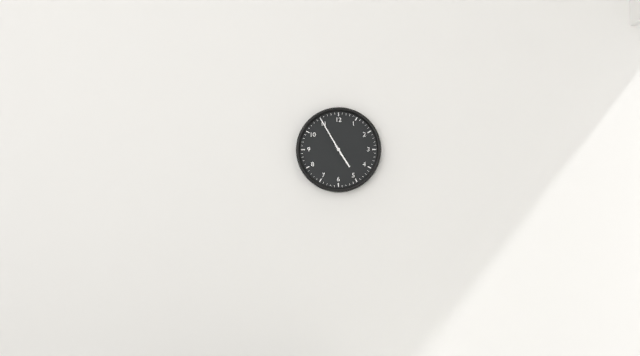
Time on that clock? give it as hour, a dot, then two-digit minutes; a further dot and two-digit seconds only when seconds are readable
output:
4.55
